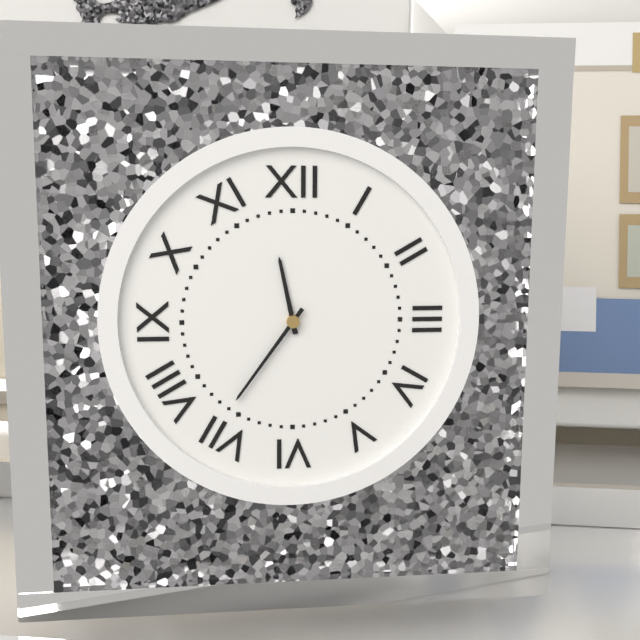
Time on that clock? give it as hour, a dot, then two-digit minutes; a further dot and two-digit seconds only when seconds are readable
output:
11.36
